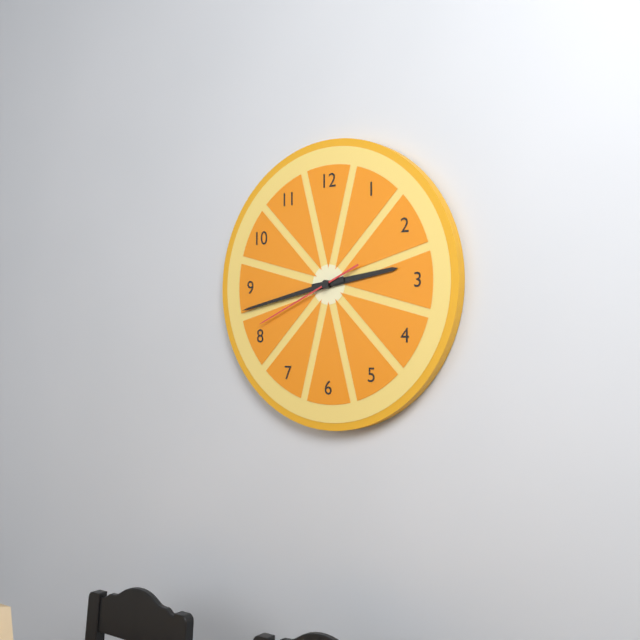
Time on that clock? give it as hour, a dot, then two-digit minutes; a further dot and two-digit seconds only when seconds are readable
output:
2.43.41
